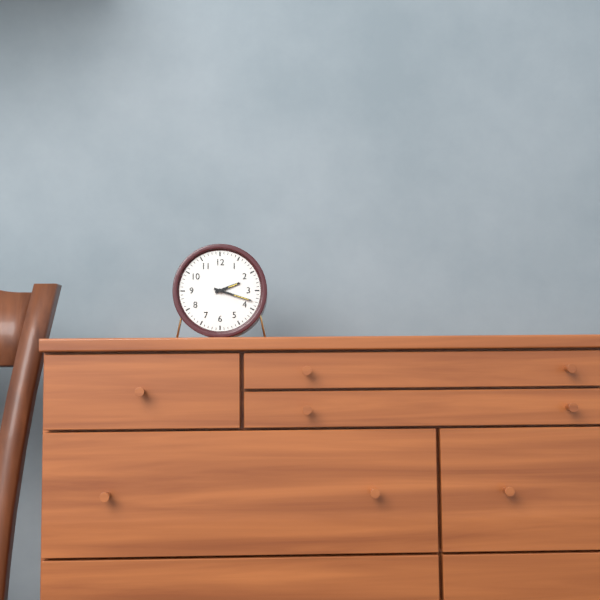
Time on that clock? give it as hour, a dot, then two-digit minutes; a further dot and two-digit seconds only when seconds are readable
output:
2.18
